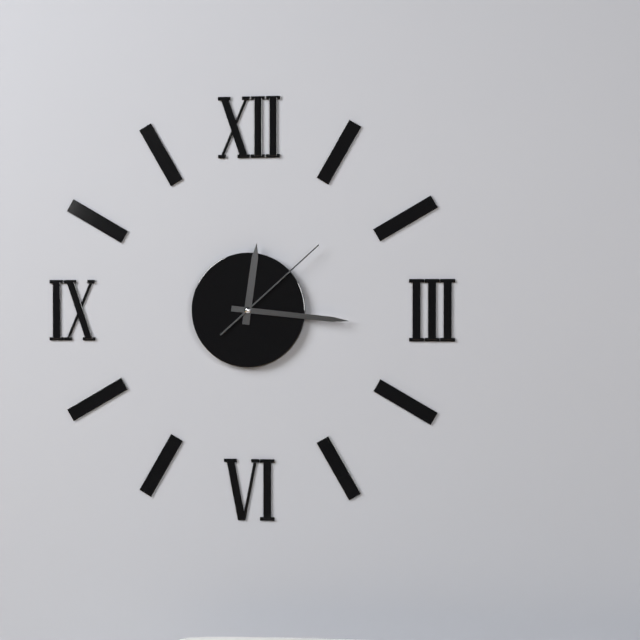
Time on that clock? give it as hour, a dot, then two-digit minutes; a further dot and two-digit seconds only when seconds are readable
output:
12.16.08
